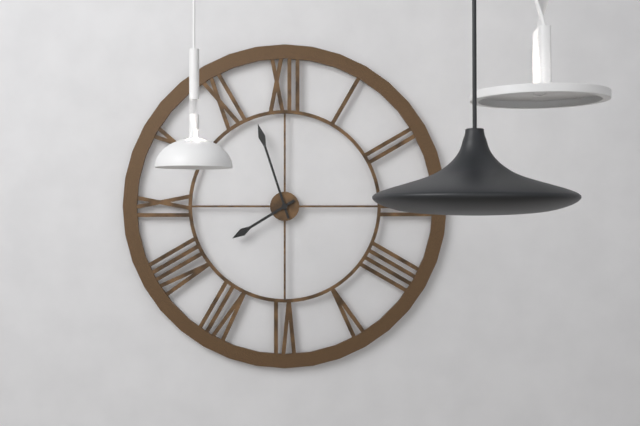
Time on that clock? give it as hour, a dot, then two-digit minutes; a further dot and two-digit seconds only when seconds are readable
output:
7.57
